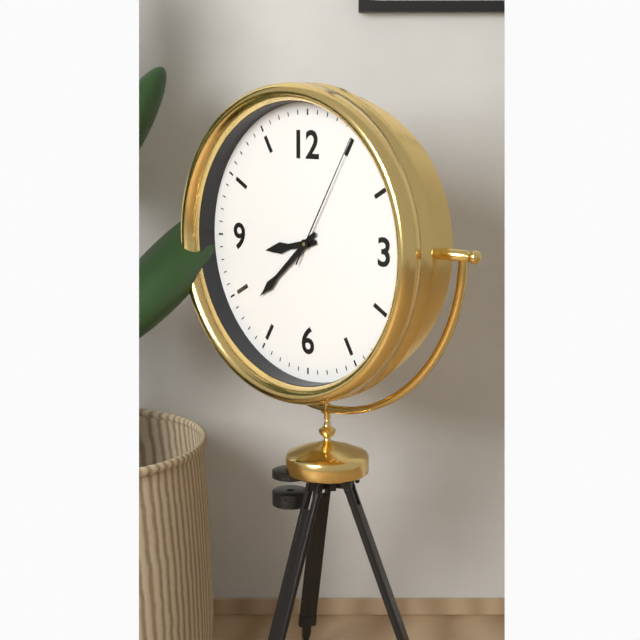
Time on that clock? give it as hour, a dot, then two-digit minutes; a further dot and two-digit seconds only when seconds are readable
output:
8.38.05
